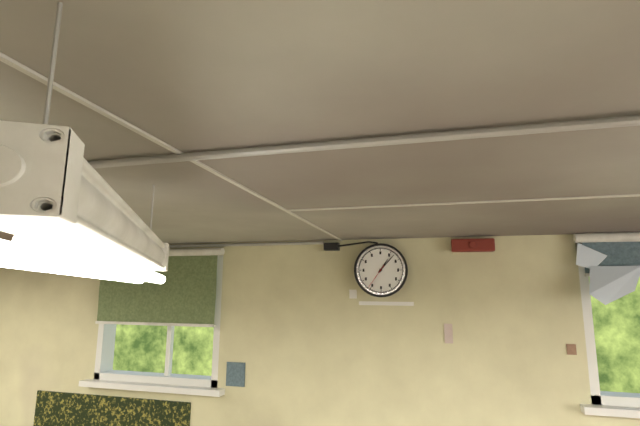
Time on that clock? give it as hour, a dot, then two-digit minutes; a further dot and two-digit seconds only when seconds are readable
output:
1.07
